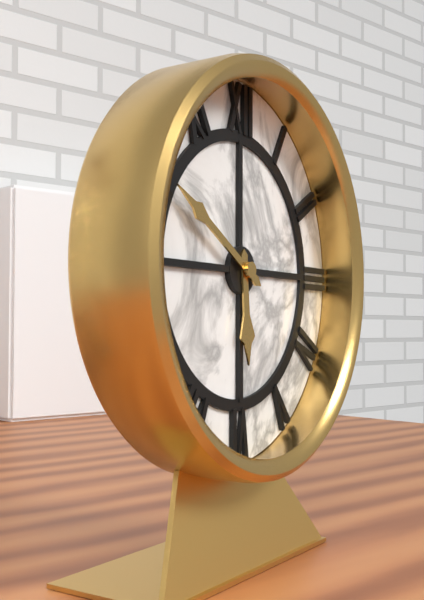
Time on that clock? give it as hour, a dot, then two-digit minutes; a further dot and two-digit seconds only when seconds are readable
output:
5.50
